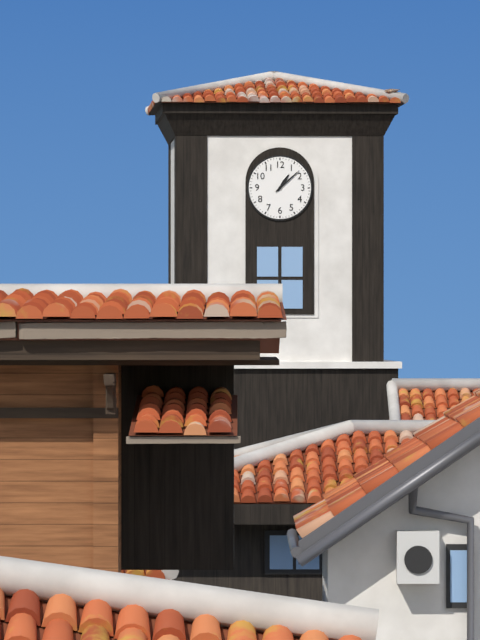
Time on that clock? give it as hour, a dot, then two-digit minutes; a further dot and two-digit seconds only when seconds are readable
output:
1.08
